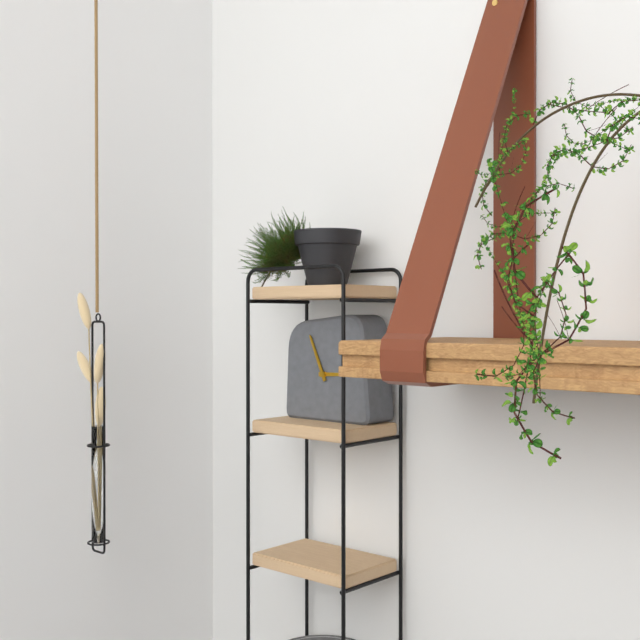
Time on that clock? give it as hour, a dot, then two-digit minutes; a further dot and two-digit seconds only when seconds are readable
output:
2.56
